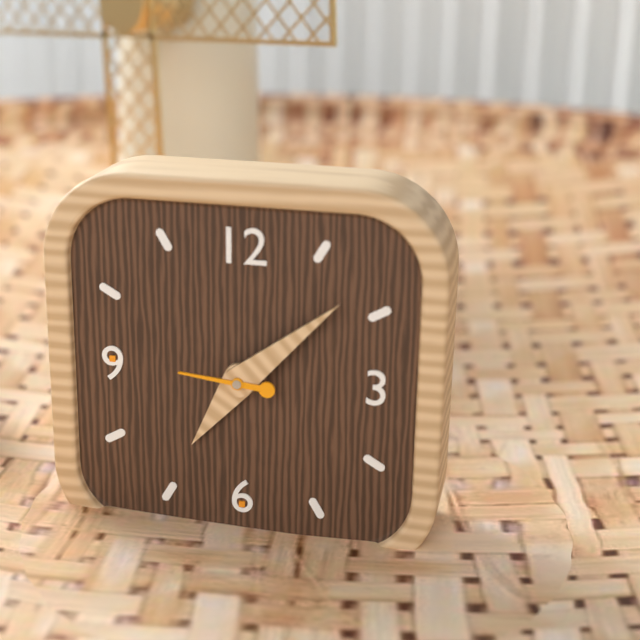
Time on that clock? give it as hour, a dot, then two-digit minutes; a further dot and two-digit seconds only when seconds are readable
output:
7.08.46
